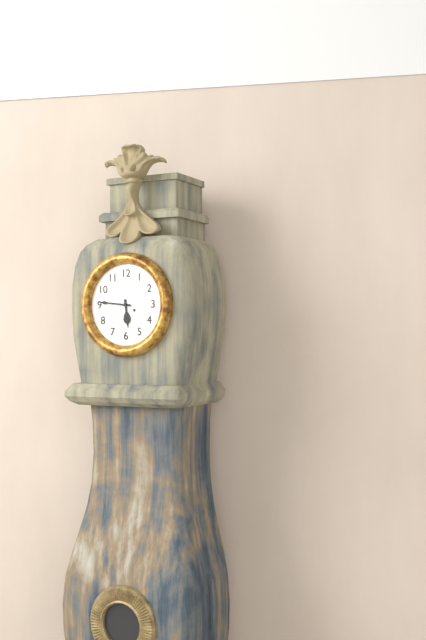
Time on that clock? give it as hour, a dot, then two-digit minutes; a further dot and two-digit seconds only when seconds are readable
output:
5.46
